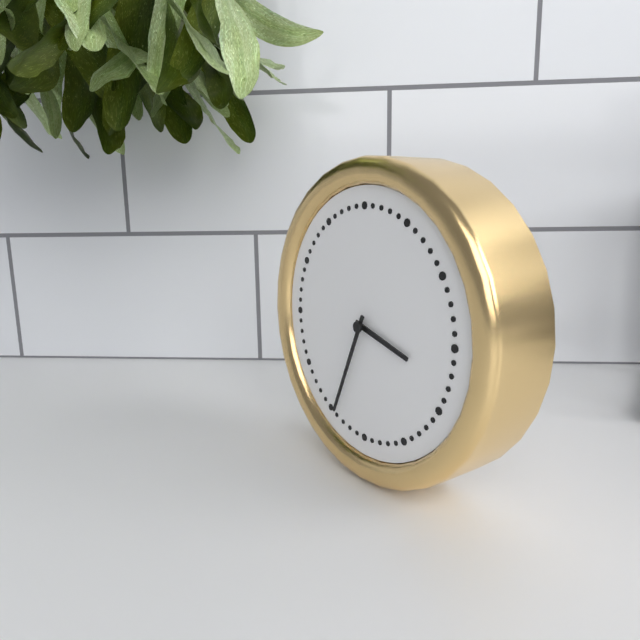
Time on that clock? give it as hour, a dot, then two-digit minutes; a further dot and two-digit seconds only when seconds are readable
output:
3.34
